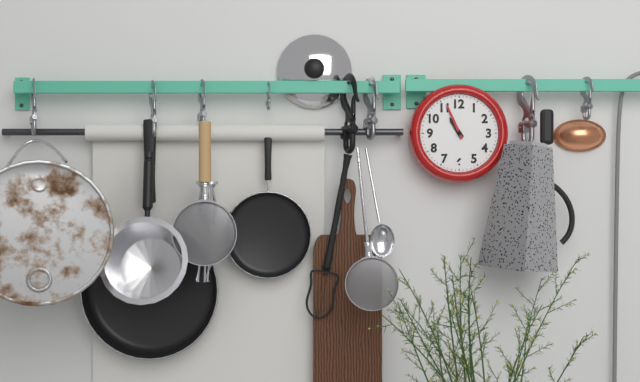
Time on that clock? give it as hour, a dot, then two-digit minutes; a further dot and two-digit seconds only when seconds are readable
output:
10.56
